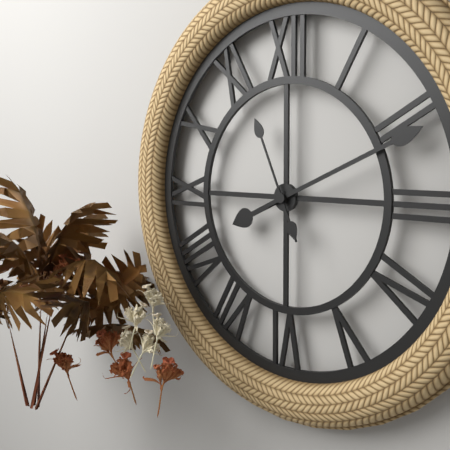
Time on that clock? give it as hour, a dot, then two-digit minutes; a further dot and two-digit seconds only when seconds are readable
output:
8.11.56
